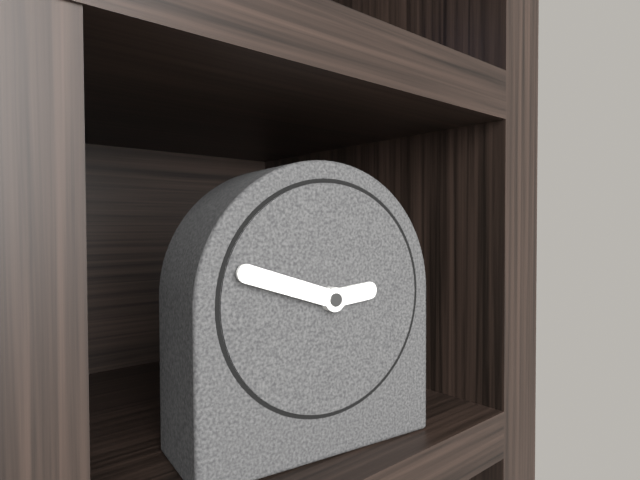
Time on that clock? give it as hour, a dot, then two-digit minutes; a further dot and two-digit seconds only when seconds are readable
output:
2.48
